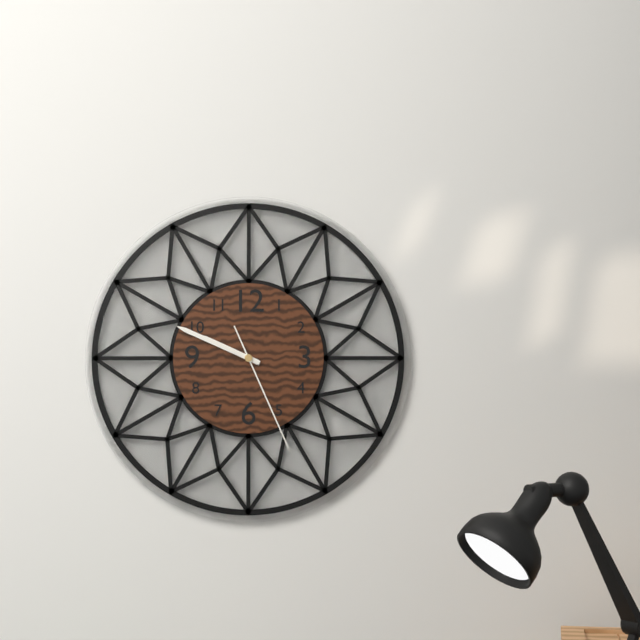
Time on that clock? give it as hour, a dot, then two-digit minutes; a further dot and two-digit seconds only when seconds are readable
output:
9.49.26
